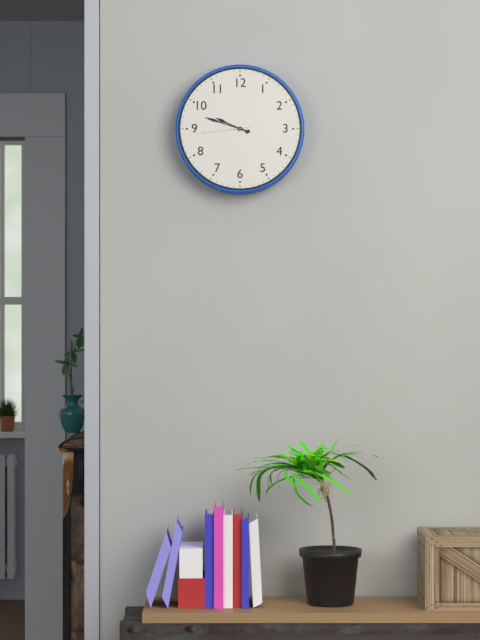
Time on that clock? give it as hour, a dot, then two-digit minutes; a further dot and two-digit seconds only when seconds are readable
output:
9.48.44
